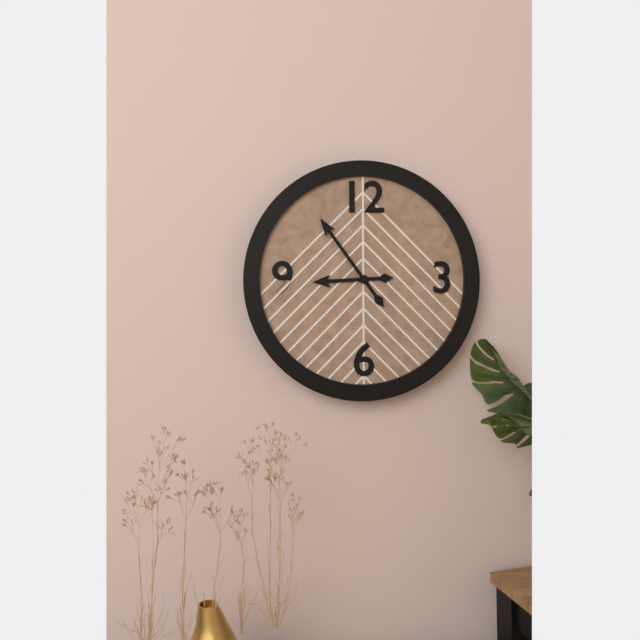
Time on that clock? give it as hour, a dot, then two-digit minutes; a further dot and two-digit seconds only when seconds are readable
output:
8.54
